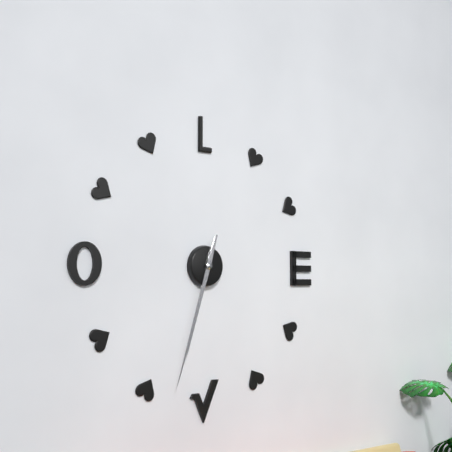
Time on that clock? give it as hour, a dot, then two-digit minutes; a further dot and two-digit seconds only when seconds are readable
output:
6.33
